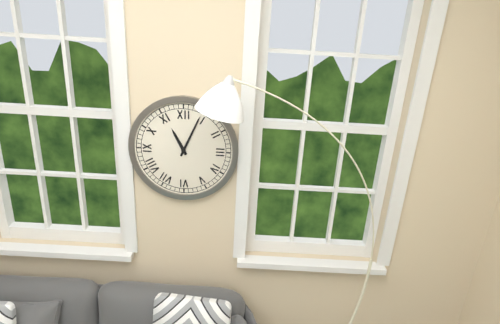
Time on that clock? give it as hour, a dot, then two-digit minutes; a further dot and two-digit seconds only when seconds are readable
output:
11.04
